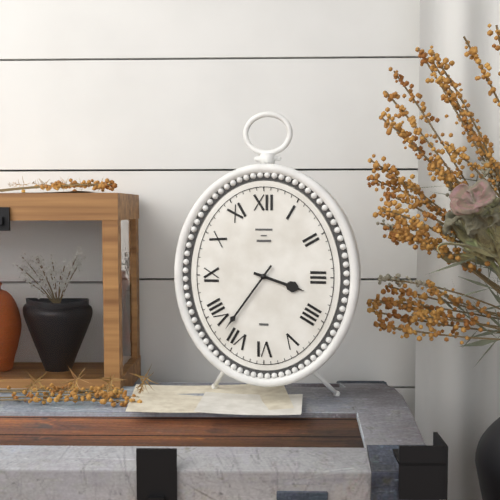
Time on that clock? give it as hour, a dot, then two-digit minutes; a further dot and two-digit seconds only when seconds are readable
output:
3.36
